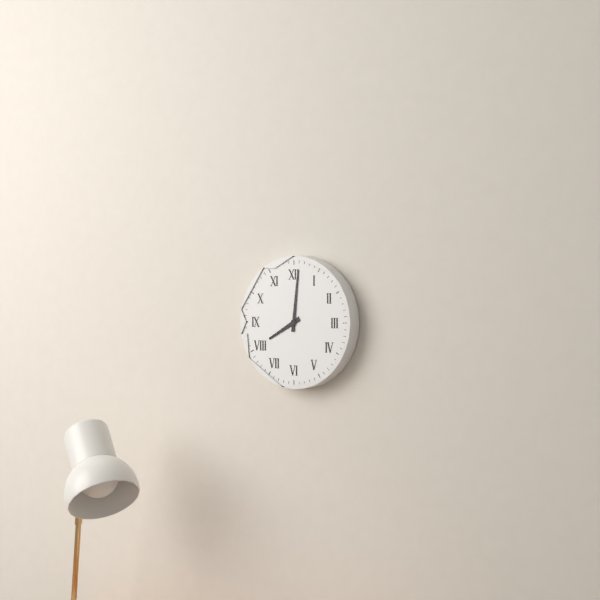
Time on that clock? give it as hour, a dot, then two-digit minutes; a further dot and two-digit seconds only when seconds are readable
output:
8.01
